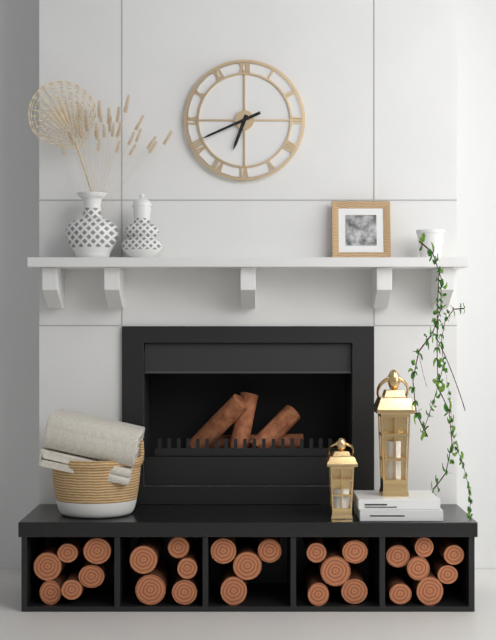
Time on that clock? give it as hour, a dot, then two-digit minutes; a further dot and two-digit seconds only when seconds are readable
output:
6.41
